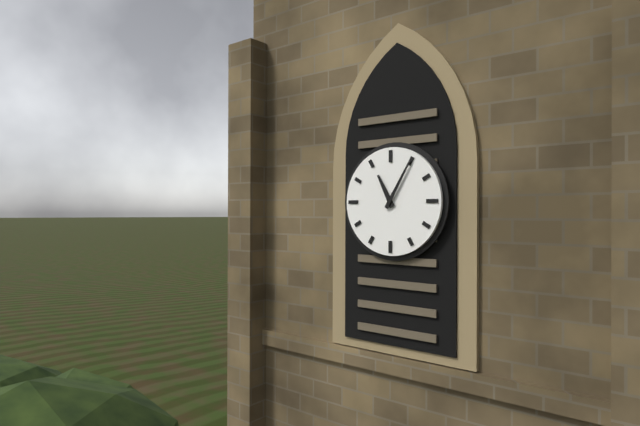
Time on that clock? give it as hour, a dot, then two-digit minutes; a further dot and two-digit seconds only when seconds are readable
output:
11.05
